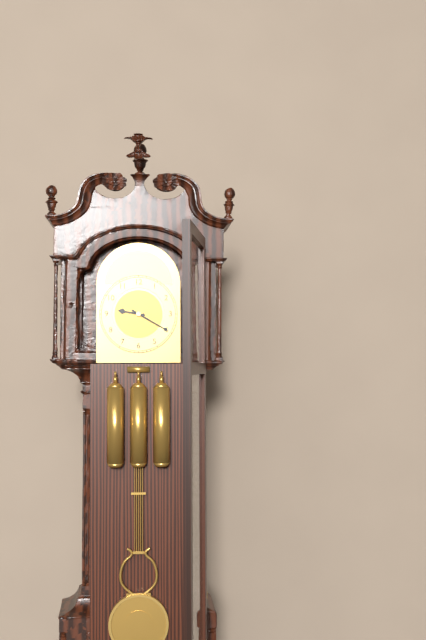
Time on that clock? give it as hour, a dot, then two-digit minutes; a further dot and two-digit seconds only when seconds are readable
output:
9.20
